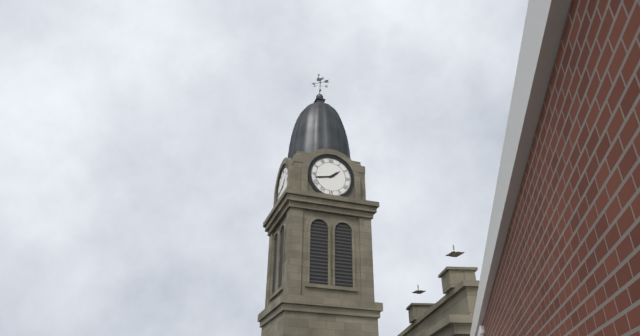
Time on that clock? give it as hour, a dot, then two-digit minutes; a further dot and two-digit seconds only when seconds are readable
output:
1.43
